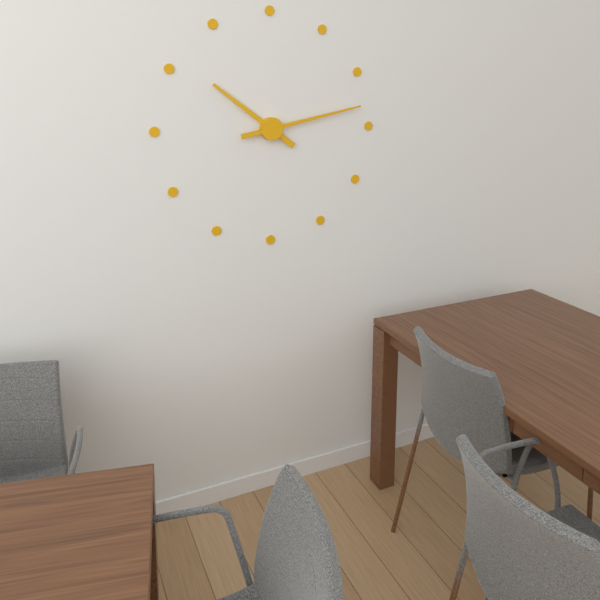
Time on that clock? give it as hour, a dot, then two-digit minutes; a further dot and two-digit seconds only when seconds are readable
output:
10.13
